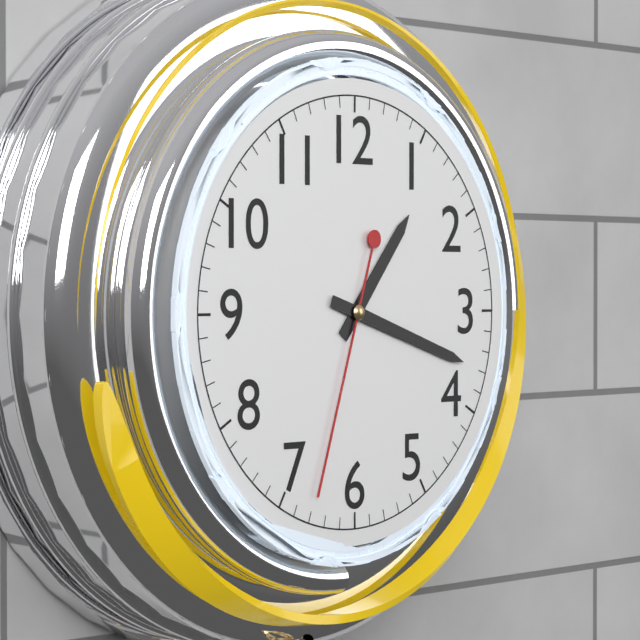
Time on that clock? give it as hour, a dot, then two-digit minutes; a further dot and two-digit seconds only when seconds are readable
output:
1.18.33
